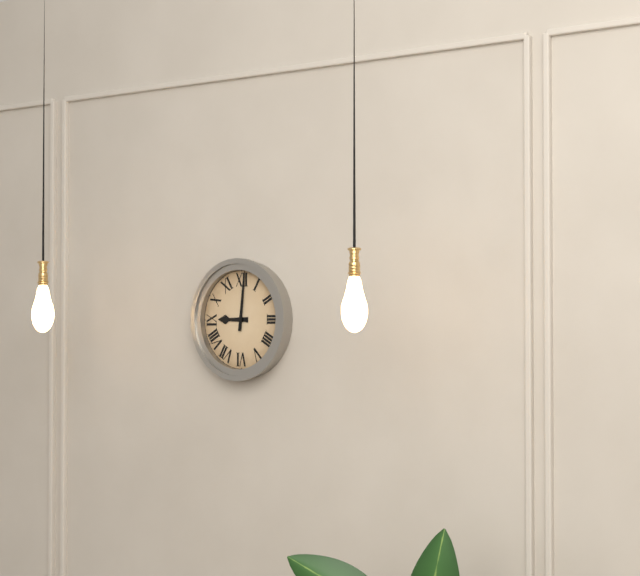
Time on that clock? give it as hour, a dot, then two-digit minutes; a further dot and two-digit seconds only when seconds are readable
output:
9.01
